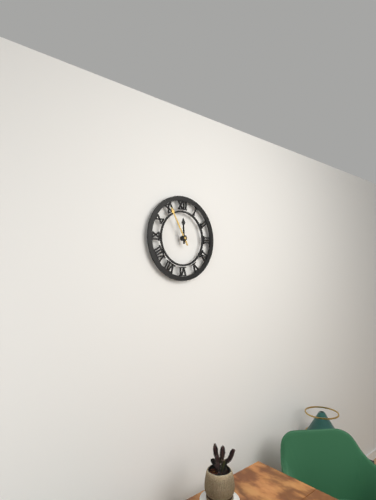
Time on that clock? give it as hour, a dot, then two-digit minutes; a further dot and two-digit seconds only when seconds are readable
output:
11.55
